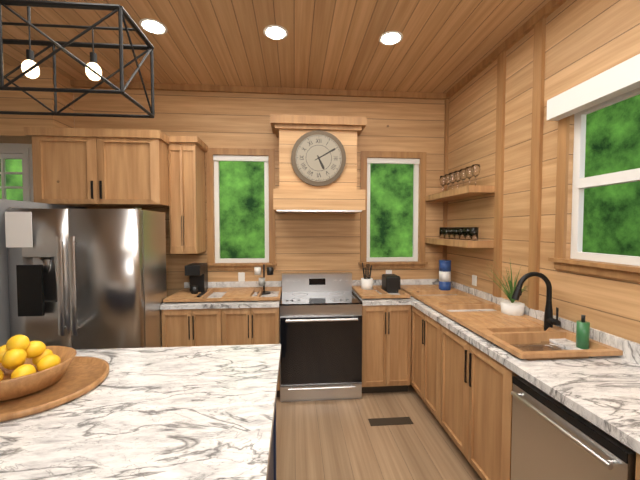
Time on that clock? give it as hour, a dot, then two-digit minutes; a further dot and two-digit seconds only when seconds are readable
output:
5.10
